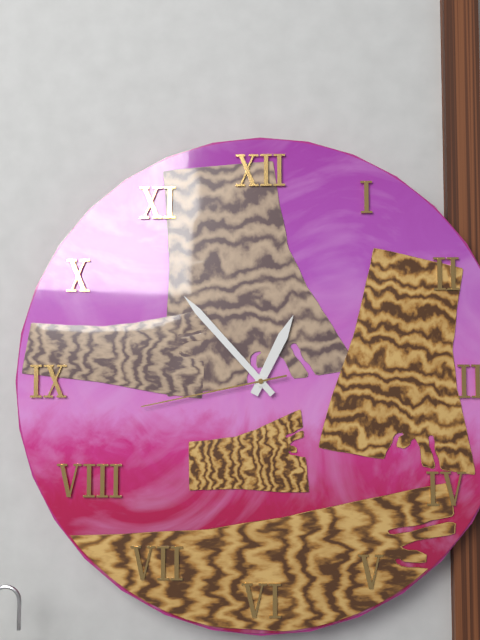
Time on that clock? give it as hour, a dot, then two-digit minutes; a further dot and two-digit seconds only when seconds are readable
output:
12.53.43
